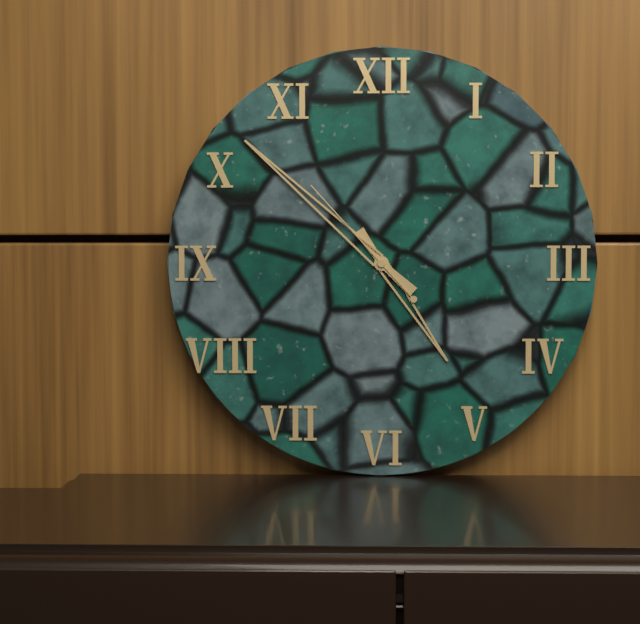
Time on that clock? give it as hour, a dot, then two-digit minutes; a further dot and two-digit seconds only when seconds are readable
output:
4.52.53
